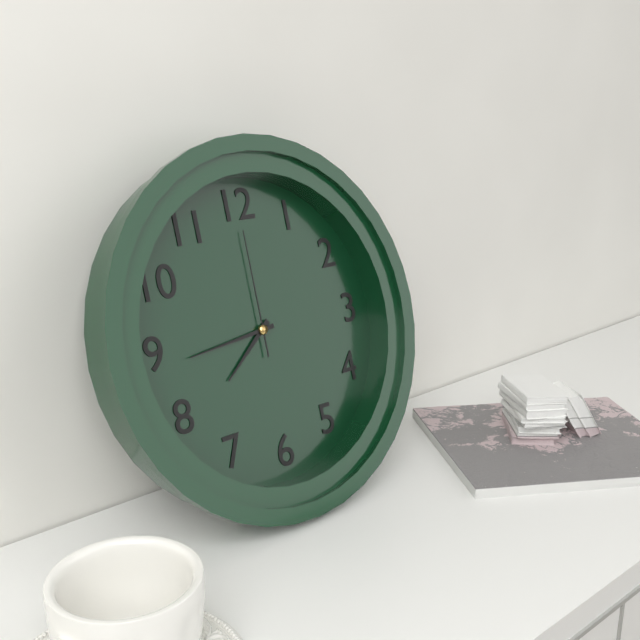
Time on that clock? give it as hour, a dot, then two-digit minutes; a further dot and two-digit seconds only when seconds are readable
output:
7.44.00
